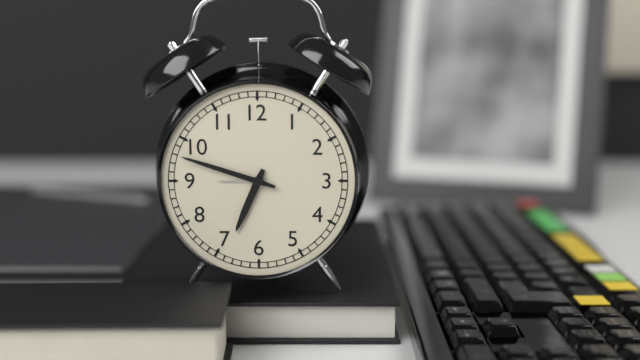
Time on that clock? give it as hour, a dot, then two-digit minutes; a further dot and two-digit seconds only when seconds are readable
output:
6.48
